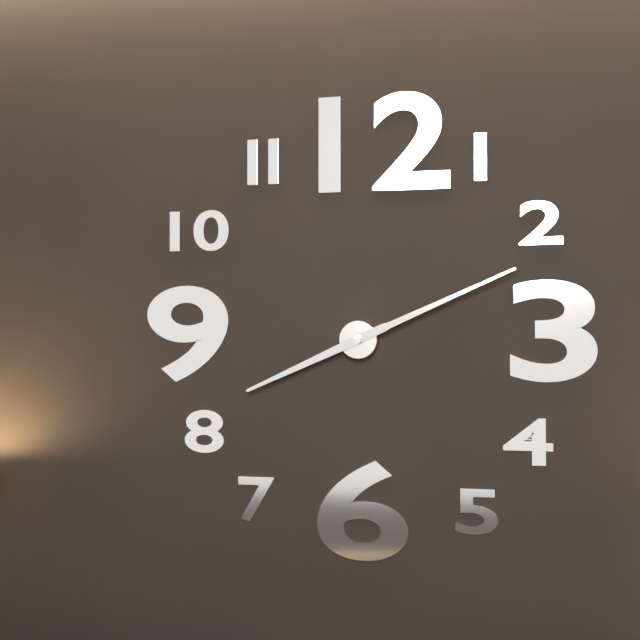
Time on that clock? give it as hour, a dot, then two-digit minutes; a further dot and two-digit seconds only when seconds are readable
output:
8.11
